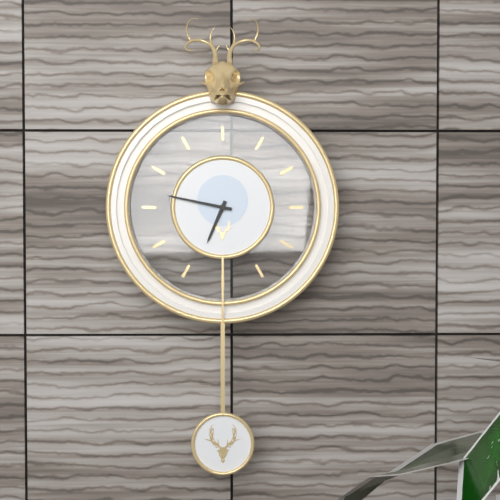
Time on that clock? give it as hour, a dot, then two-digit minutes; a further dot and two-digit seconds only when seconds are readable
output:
6.47
